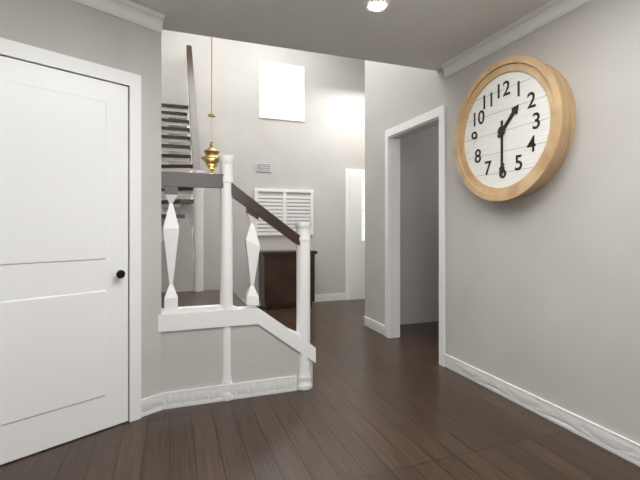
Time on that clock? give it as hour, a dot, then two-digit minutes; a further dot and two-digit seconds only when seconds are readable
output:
1.30
